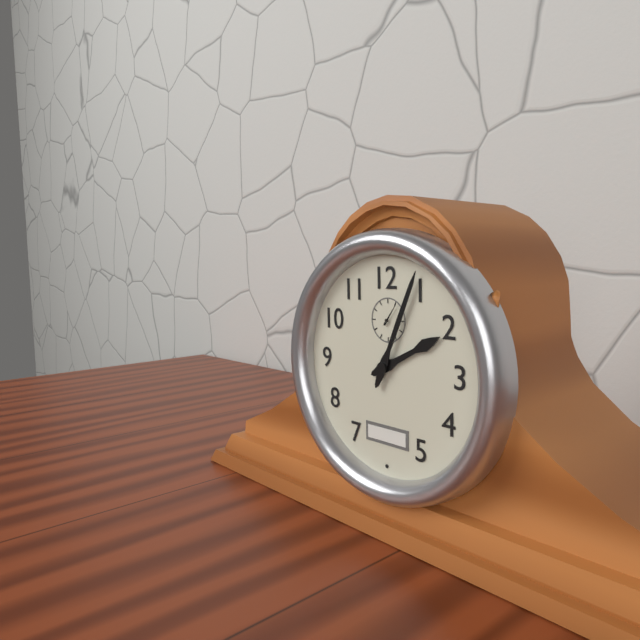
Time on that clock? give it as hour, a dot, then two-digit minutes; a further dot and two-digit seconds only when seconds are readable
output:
2.04
